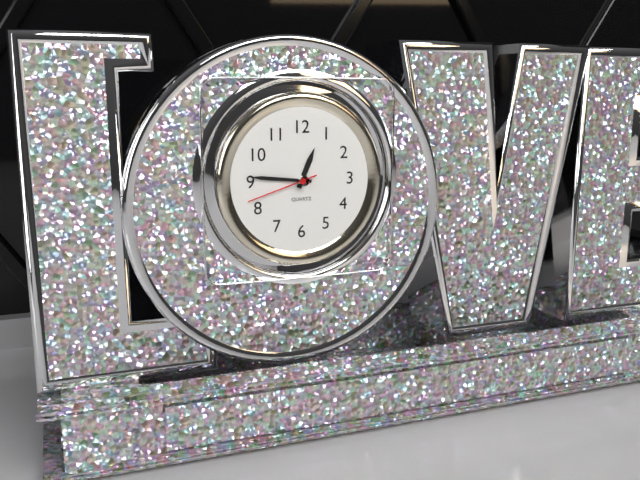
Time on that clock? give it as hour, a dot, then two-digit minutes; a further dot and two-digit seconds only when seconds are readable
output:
12.46.42
